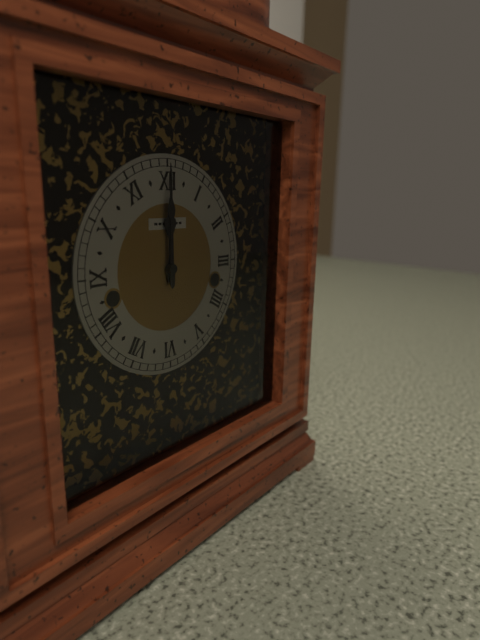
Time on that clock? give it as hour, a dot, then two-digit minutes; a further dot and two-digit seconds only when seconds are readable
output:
12.00
